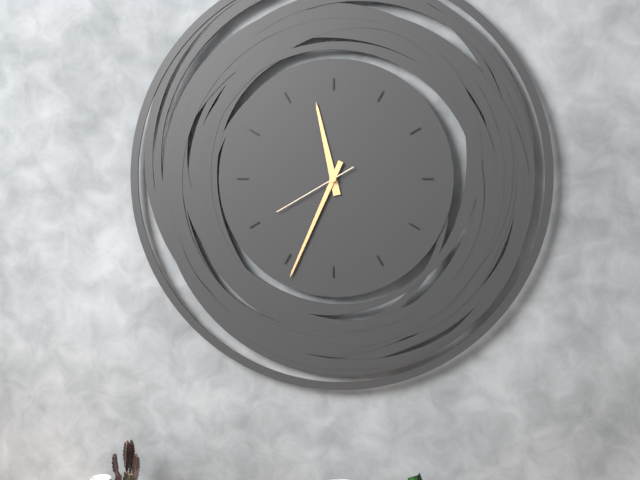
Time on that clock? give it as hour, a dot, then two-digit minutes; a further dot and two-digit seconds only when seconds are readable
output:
11.34.40
